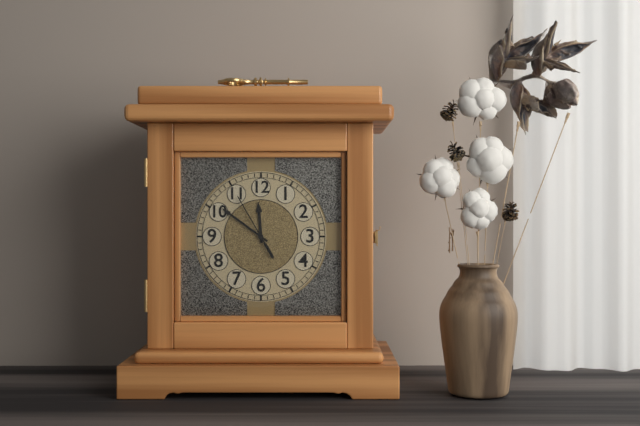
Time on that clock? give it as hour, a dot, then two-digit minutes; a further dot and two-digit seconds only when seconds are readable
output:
11.51.55
